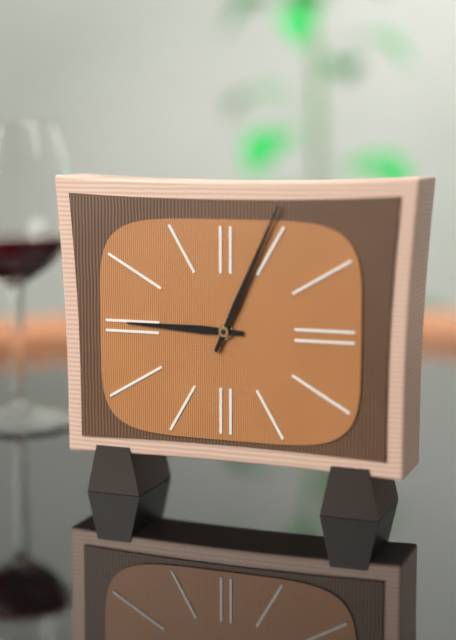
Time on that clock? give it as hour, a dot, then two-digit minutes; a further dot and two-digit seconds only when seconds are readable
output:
9.04
